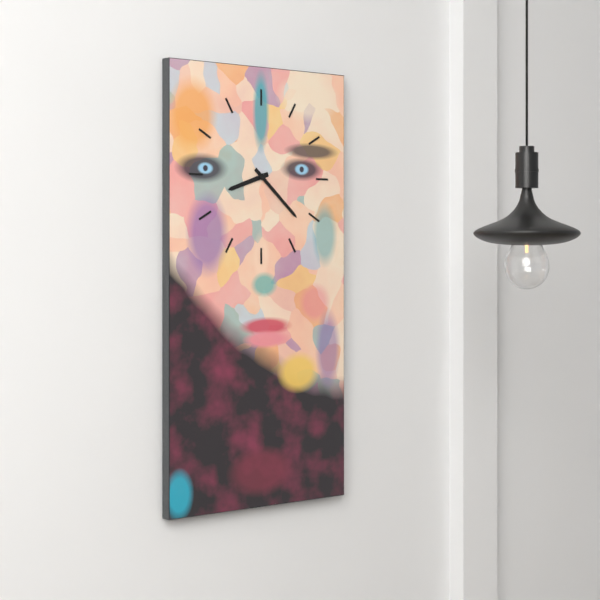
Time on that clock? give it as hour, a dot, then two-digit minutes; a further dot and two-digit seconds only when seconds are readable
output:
8.22
